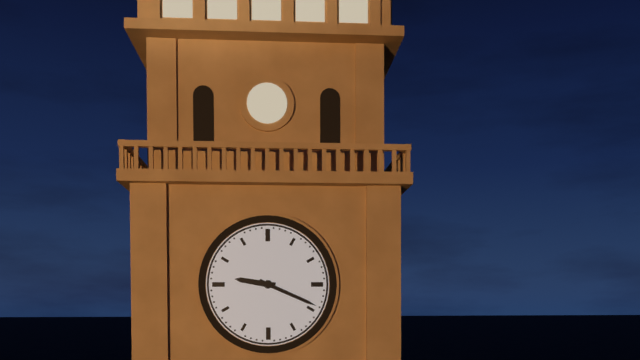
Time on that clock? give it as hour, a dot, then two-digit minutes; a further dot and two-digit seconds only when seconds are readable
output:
9.19
